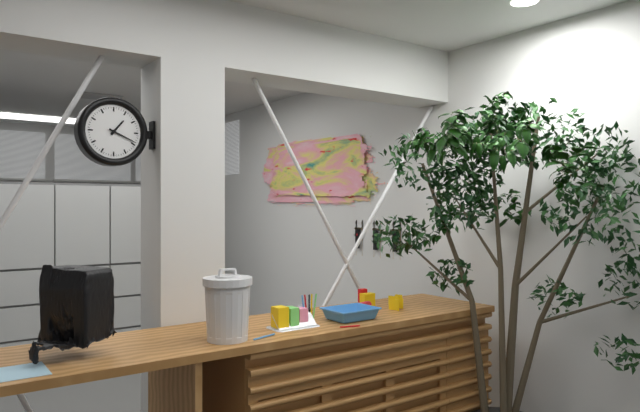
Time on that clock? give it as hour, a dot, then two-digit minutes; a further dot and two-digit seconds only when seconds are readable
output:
1.19
